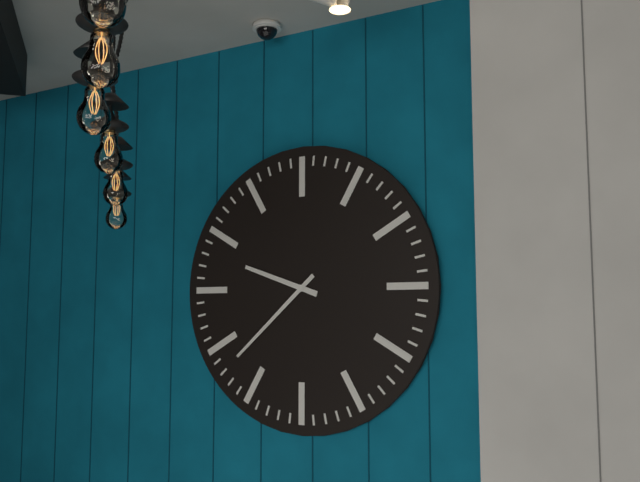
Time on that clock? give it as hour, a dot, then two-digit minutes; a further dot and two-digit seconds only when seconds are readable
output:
9.38
